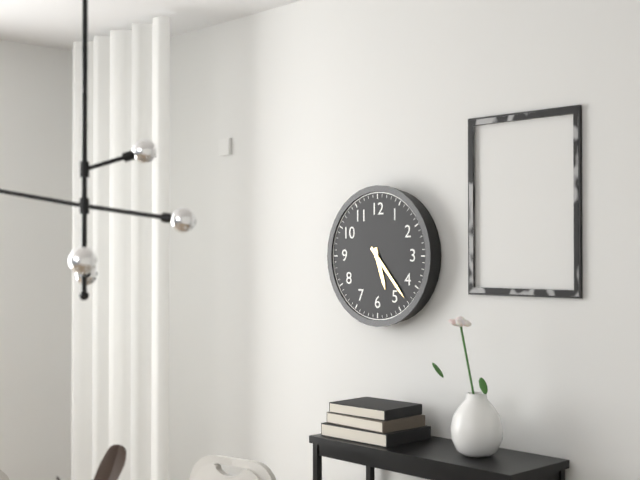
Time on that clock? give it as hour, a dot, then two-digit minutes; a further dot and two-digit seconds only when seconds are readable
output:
5.23
